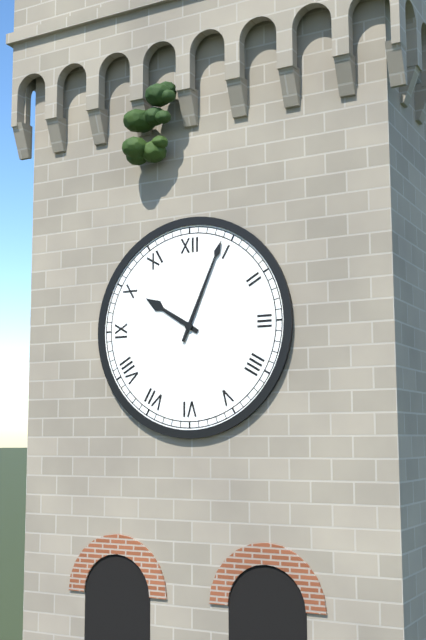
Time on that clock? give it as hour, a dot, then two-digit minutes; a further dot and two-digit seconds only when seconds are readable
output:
10.04
